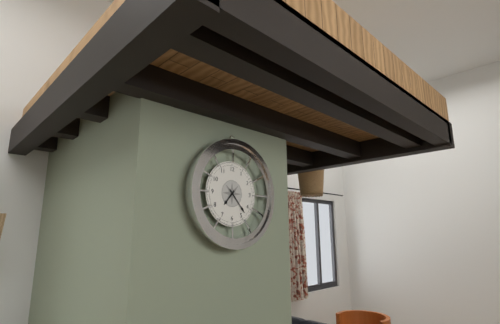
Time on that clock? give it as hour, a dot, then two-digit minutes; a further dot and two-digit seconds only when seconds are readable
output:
7.23
